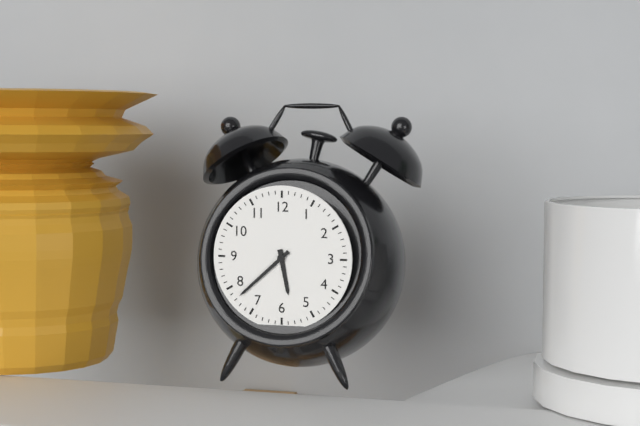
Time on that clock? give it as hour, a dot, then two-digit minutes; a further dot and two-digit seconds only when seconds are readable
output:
5.38
